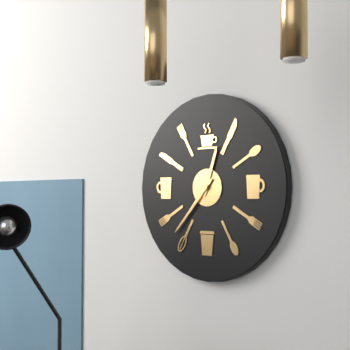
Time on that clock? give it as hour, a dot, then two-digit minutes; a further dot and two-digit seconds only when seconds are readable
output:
12.37
